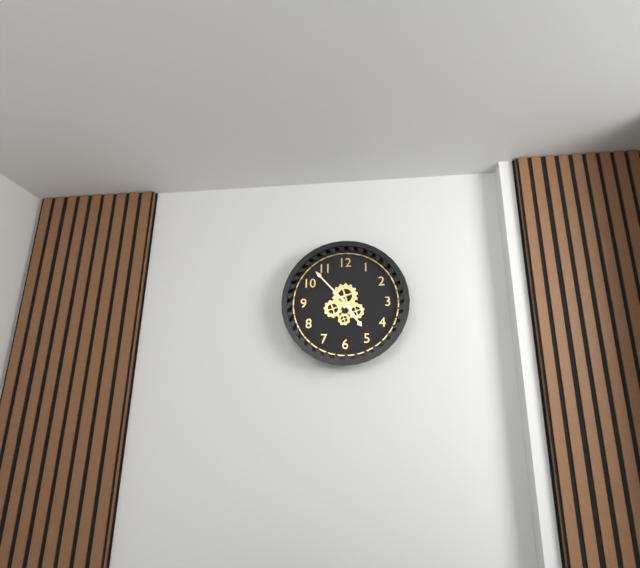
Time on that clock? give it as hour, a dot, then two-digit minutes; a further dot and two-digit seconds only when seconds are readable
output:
4.53
